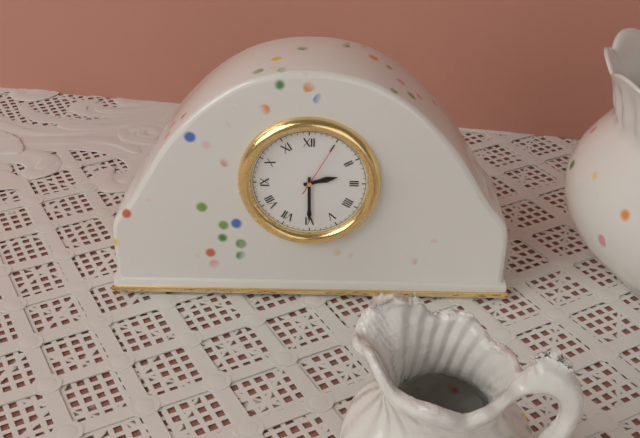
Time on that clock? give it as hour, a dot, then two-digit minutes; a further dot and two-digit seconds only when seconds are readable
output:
2.30.05
